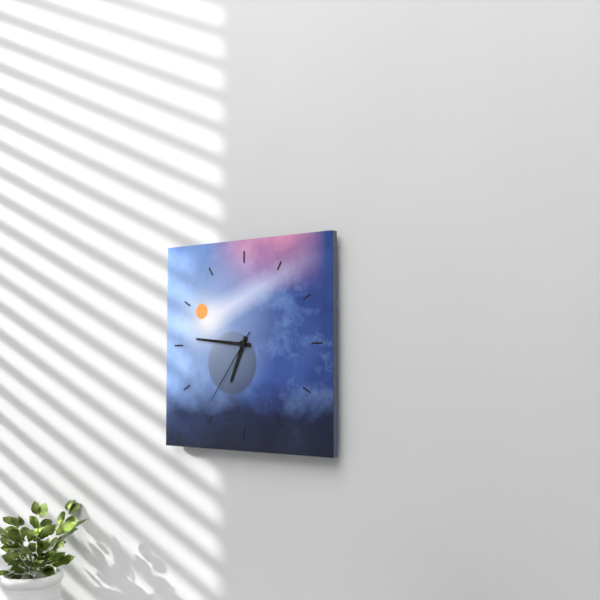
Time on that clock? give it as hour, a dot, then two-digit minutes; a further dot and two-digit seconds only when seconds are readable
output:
6.46.36
